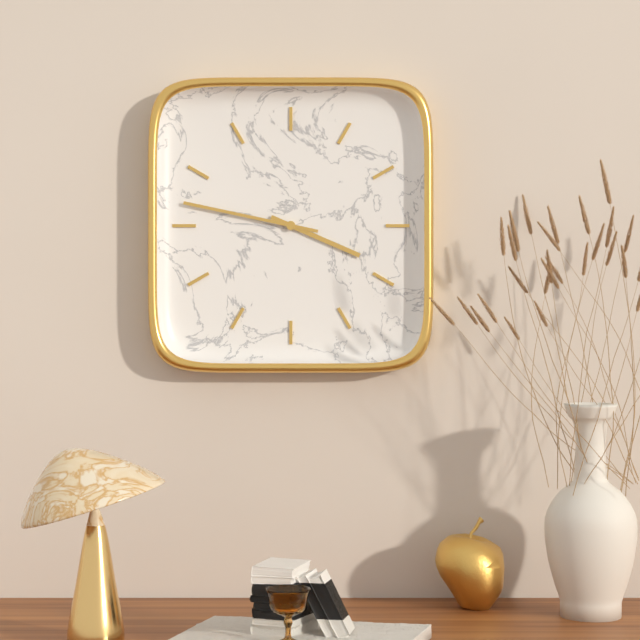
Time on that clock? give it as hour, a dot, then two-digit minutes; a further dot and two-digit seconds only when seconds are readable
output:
3.47
